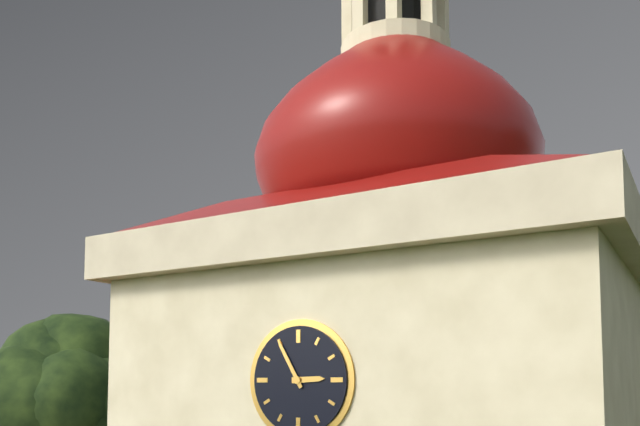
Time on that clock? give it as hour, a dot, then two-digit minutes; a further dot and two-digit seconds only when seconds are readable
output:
2.55
